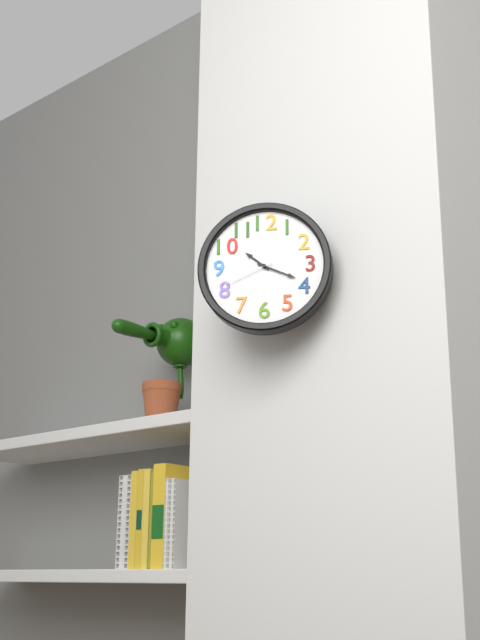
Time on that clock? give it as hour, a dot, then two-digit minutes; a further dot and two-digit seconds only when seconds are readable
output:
10.19.41
